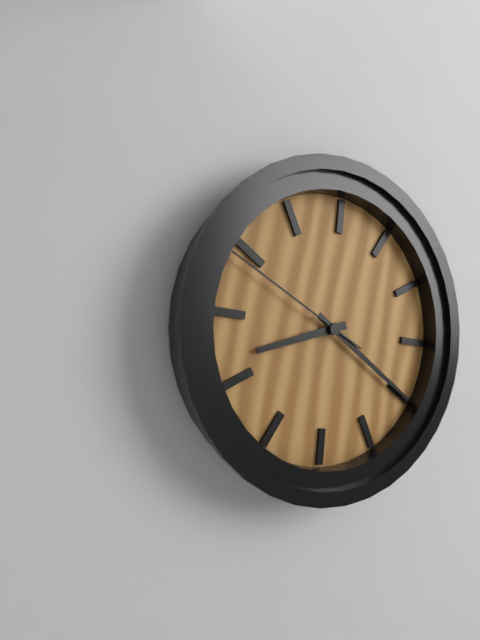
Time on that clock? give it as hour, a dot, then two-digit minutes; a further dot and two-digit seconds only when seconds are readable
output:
8.20.49
